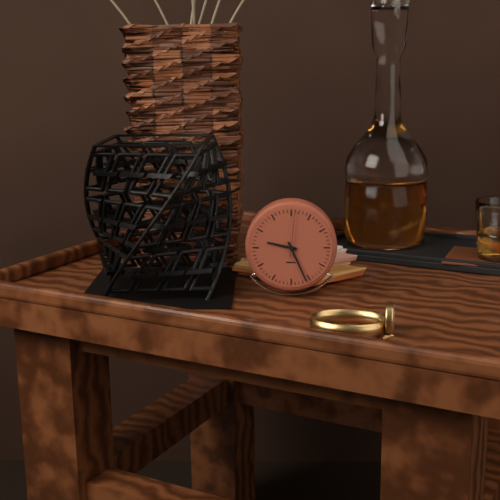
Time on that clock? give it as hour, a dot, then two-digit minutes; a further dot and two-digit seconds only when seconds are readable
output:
9.26
